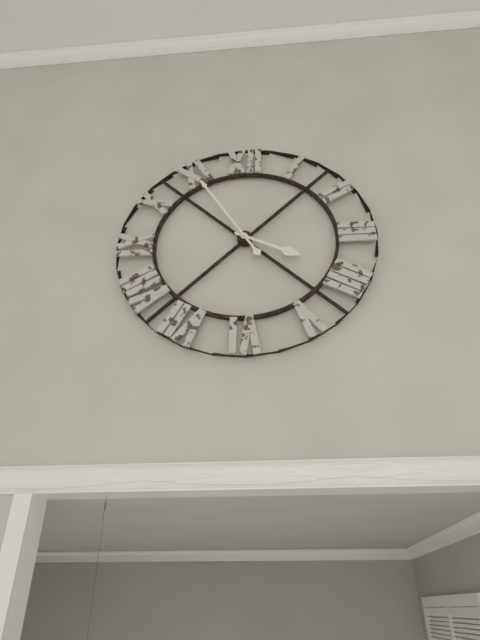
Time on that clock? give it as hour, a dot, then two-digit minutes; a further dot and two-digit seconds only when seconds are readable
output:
3.55
